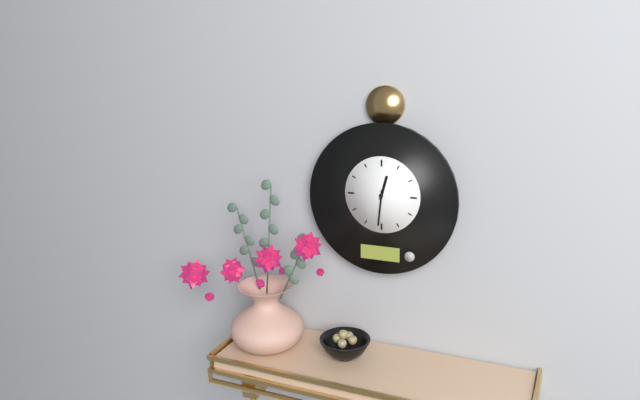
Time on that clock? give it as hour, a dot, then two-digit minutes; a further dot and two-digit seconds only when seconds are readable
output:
12.31
